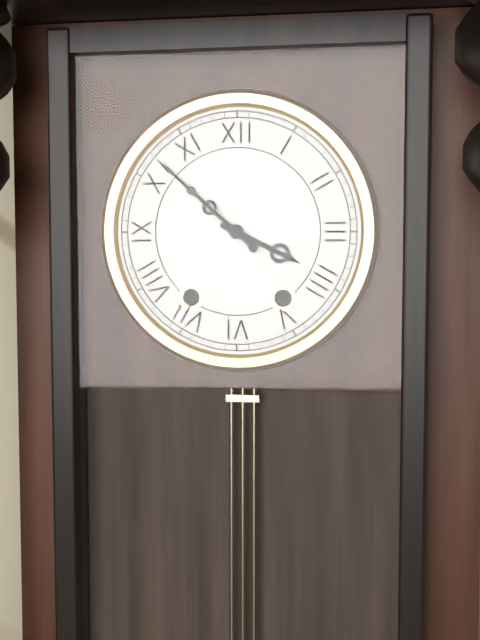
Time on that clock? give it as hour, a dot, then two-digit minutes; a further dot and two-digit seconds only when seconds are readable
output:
3.52
